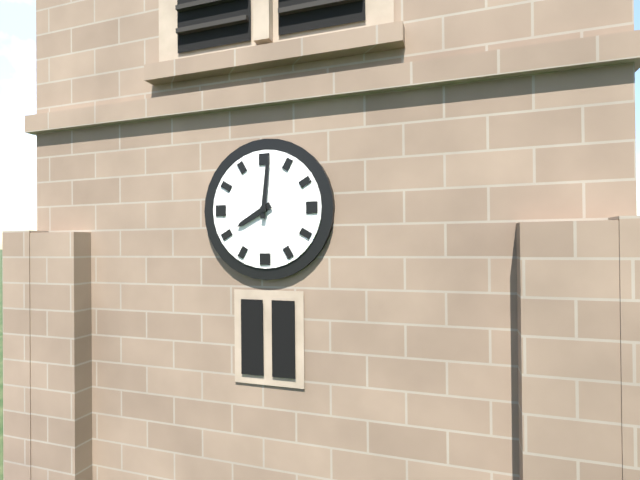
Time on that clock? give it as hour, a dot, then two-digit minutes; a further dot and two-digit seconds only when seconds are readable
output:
8.01
